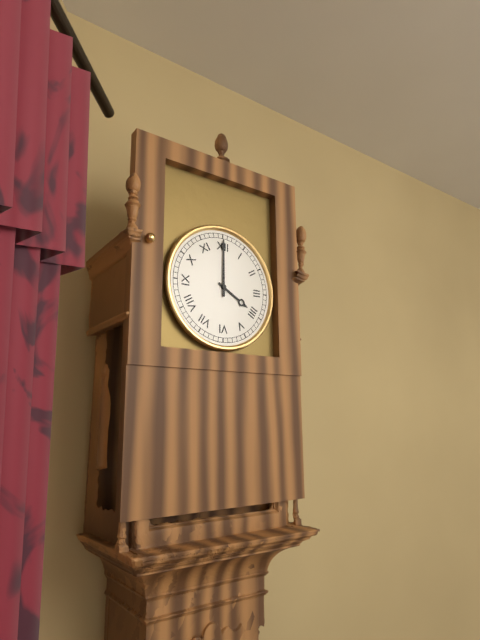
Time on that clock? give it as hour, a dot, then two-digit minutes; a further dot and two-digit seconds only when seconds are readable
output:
4.00
